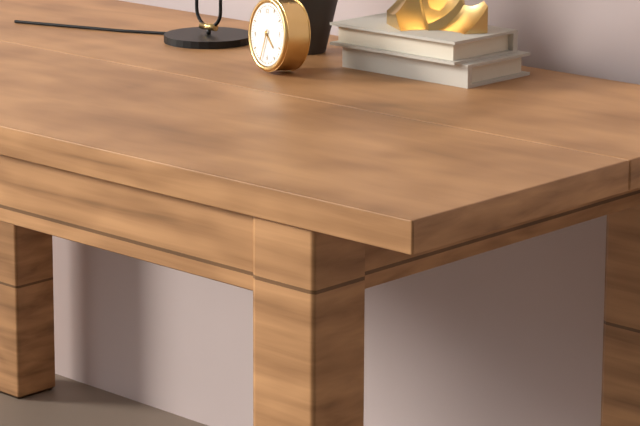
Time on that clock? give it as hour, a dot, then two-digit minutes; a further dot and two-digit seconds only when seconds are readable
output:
4.34
